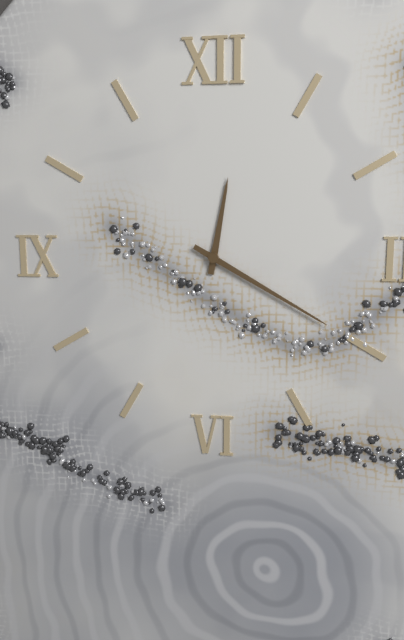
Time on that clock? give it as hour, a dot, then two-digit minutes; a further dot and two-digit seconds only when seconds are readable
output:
12.20
